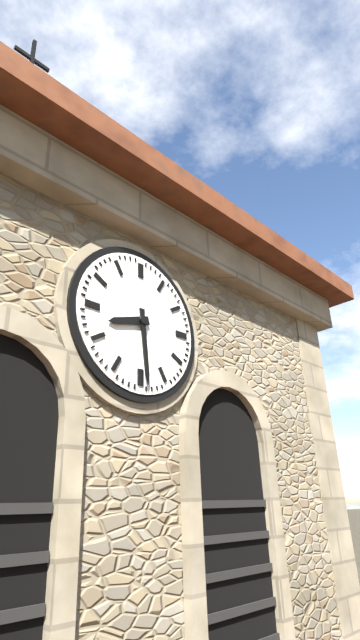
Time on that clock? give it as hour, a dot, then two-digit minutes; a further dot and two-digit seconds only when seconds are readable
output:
8.29
